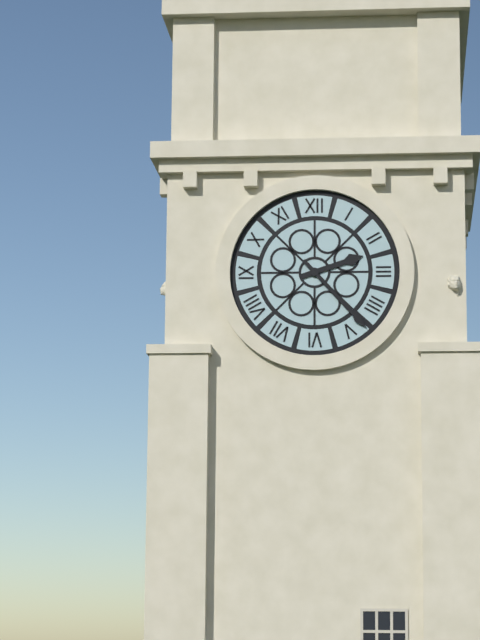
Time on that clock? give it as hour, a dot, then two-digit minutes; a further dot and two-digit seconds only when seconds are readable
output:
2.23
